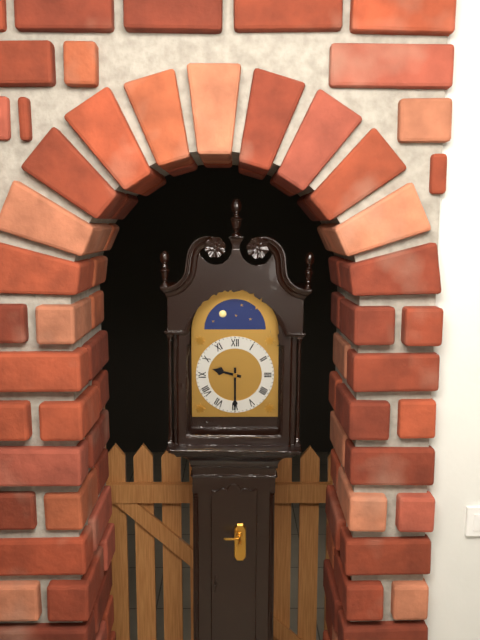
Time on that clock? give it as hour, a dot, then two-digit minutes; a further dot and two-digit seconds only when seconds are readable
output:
9.30
